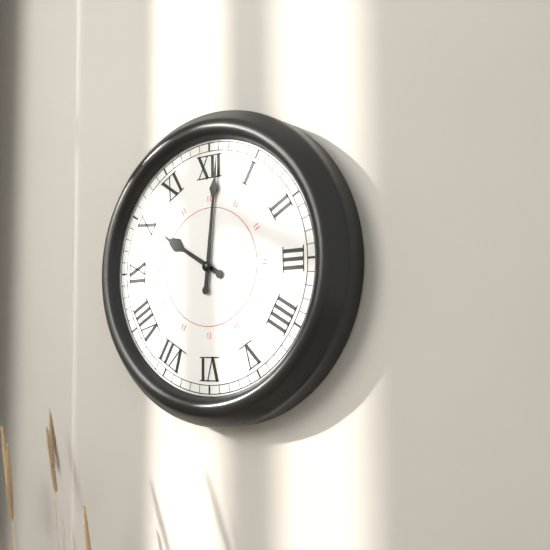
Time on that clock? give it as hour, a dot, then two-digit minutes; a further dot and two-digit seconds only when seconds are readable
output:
10.01
